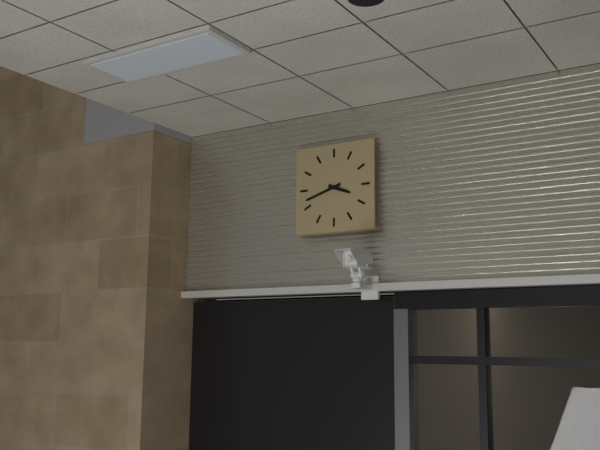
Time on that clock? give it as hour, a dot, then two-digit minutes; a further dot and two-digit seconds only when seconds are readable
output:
3.42
